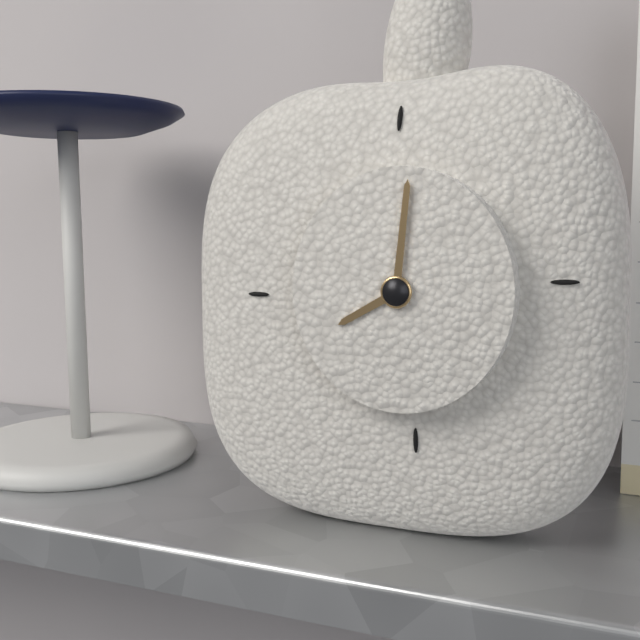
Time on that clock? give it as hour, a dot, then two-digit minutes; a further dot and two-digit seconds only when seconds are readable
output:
8.01
